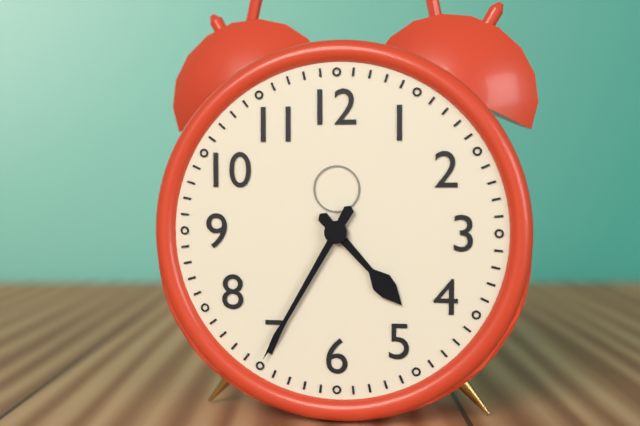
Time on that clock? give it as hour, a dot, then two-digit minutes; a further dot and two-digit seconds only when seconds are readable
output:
4.35
